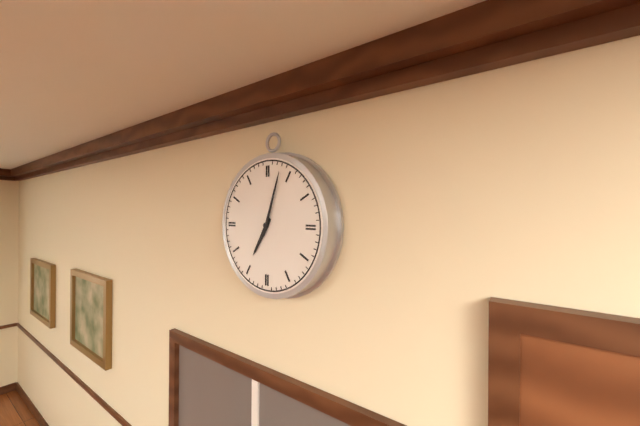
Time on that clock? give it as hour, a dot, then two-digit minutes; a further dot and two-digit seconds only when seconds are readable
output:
7.03
